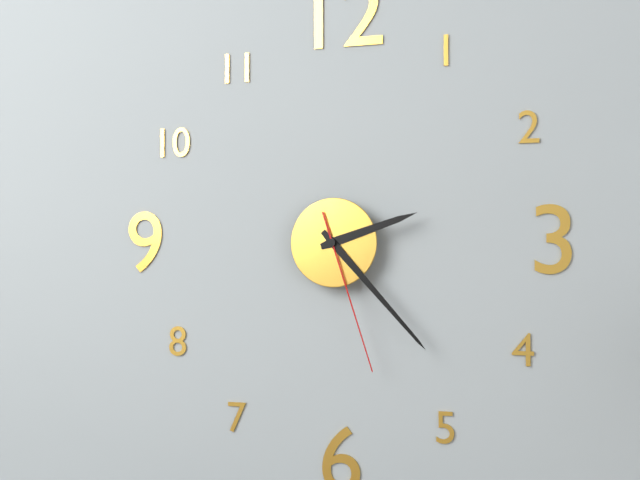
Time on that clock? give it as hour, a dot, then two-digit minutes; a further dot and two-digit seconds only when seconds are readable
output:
2.23.27
